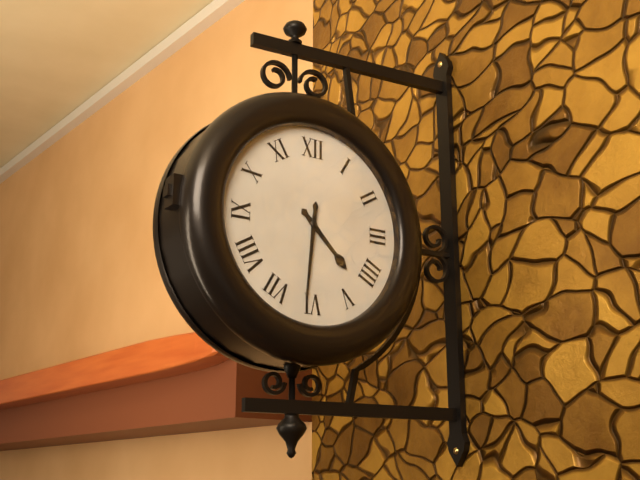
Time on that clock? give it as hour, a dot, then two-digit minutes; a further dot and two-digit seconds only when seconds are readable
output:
4.31
